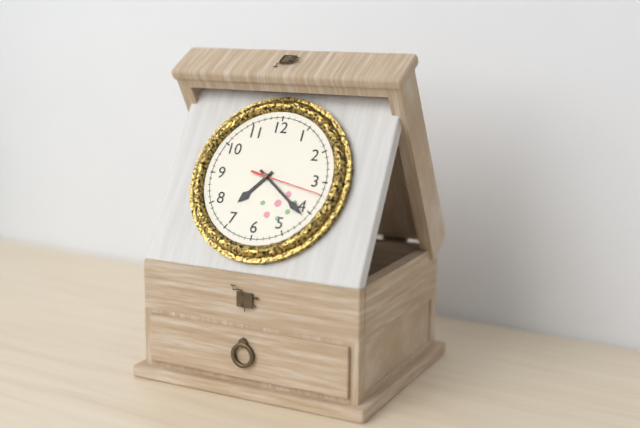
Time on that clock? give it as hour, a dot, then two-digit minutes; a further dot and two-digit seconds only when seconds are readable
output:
7.21.17
